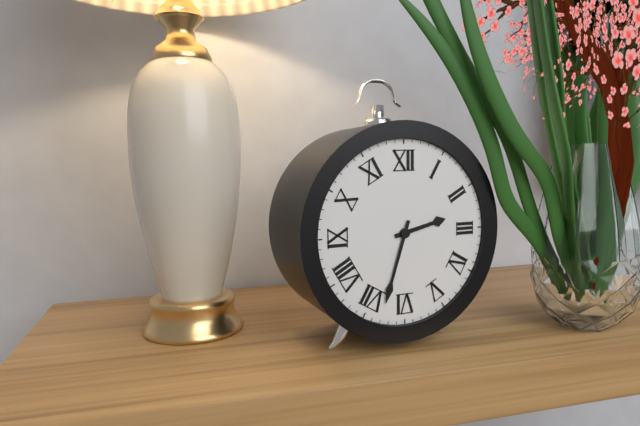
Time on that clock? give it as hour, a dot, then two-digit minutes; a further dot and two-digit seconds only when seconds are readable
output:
2.33
